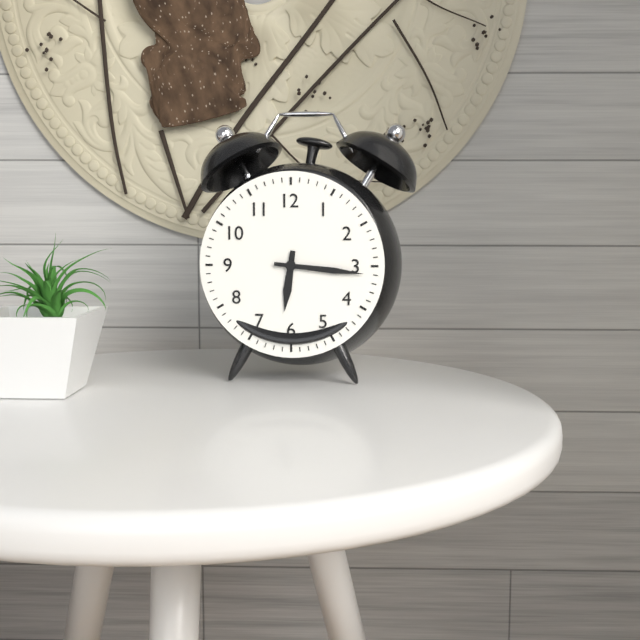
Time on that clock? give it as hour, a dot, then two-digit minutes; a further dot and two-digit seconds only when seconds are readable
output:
6.16
